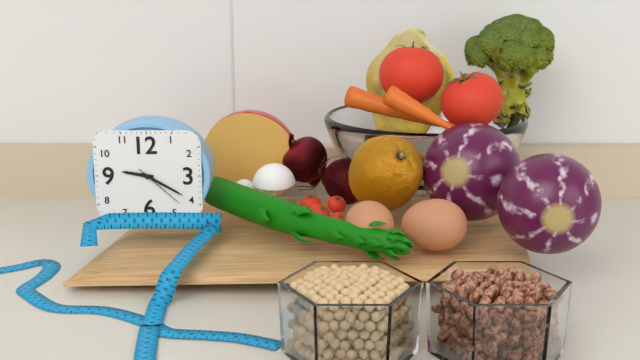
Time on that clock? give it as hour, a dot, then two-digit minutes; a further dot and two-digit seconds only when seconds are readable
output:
9.20.22
